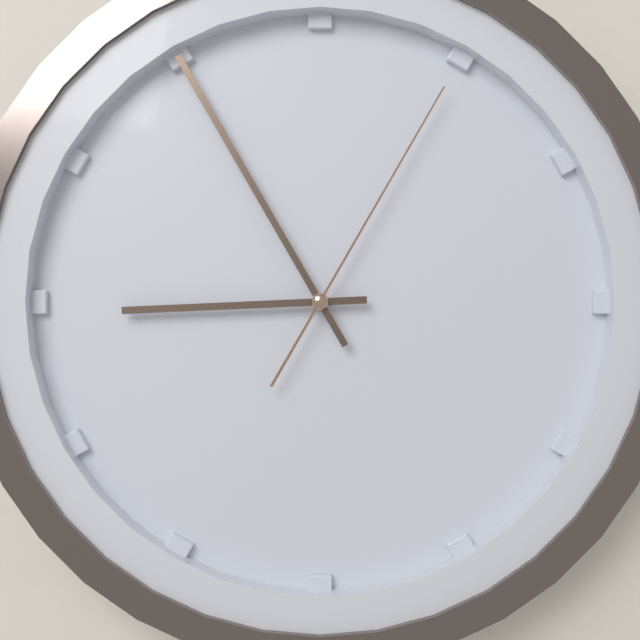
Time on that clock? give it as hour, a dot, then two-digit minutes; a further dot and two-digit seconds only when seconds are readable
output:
8.55.05
